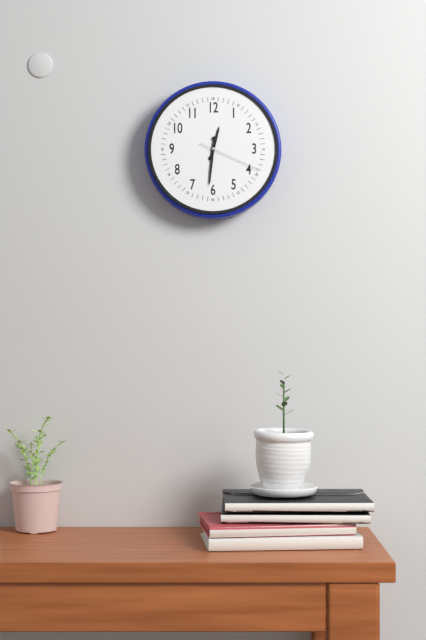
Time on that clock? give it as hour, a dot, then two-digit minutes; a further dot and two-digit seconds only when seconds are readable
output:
12.31.19
